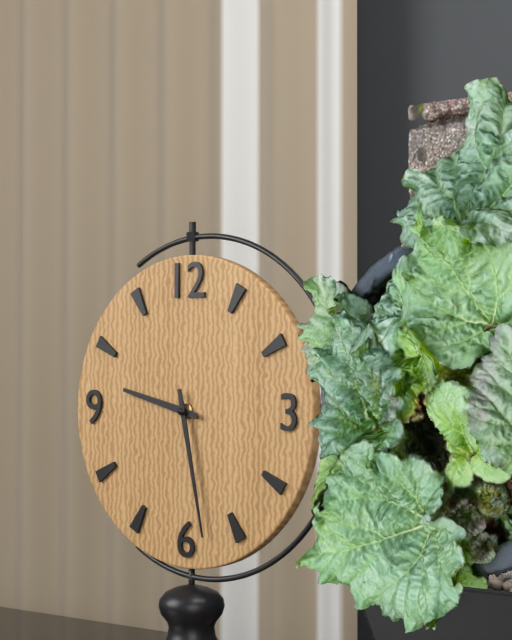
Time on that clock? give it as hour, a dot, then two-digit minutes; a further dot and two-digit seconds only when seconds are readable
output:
9.28
